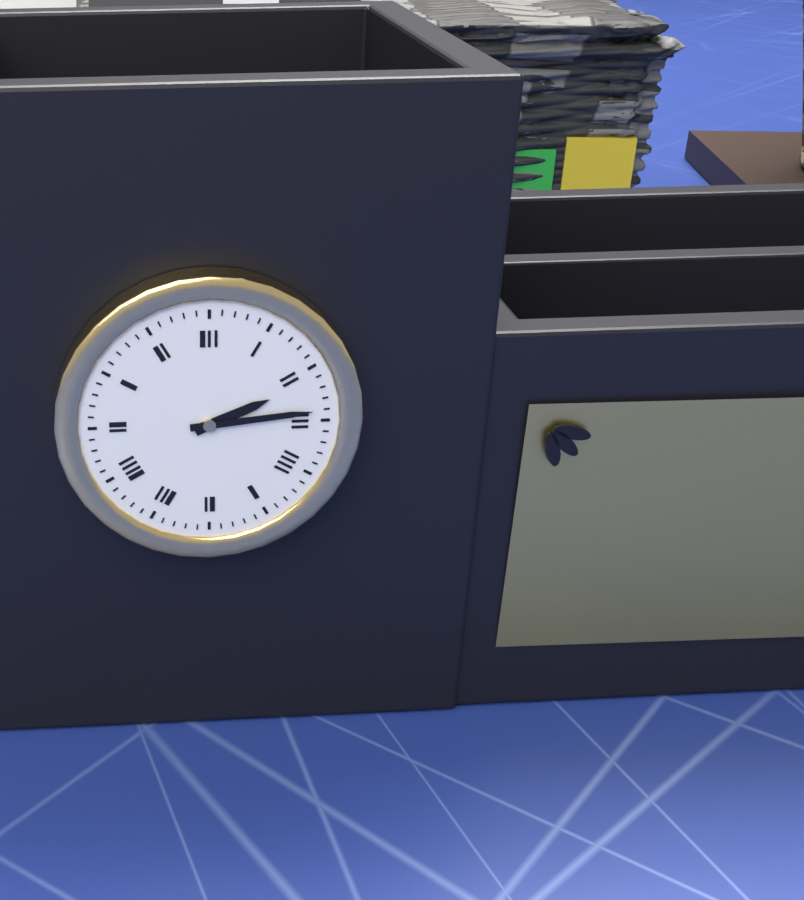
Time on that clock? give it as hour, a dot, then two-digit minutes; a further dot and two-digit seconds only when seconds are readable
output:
2.14
